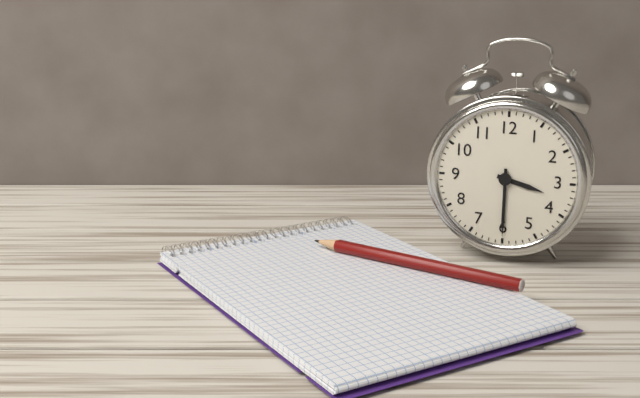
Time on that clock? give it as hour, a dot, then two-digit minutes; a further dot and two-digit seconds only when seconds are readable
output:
3.30
